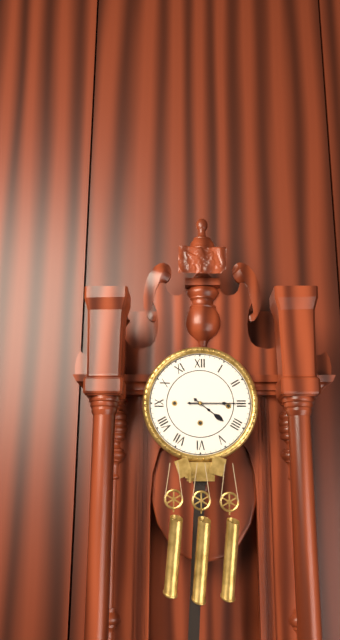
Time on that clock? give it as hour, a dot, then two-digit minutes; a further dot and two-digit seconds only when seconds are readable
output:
4.15
